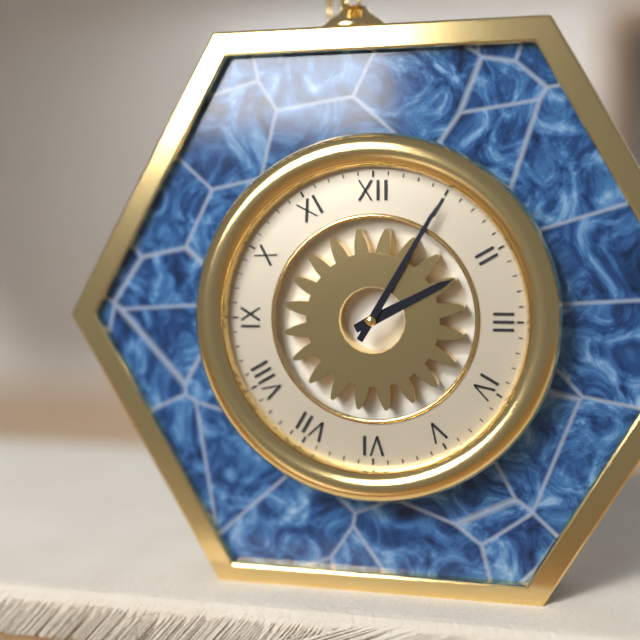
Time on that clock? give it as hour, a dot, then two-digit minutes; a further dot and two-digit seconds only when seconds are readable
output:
2.05
